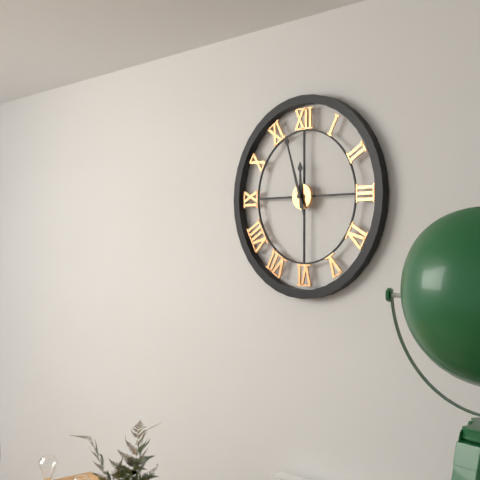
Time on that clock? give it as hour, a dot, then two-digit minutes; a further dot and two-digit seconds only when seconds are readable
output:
11.57
